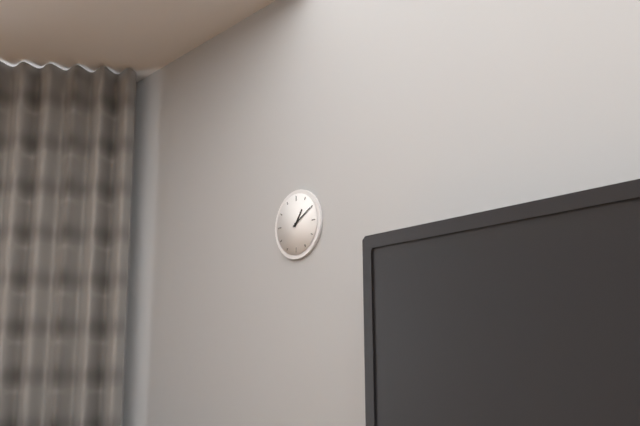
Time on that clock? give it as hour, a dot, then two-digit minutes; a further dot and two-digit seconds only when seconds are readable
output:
1.10
